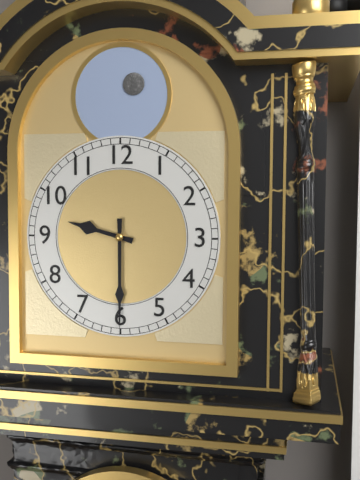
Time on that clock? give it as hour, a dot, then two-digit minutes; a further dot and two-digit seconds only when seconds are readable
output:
9.30
